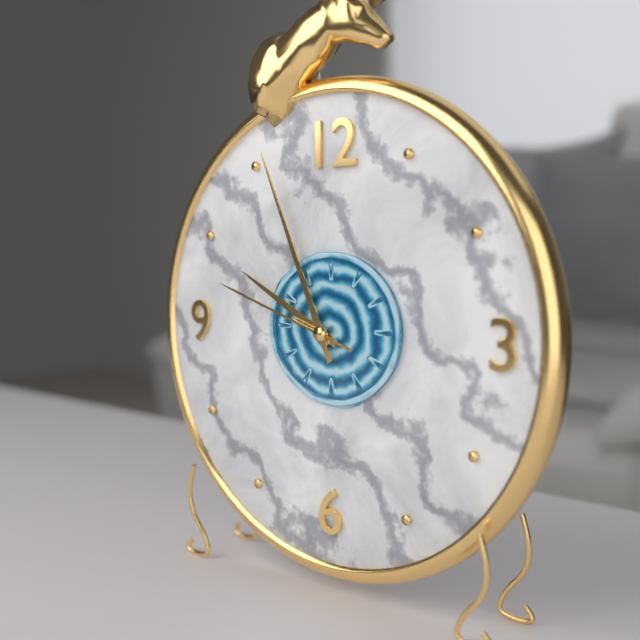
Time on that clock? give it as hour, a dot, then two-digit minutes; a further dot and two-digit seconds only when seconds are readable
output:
9.56.48
